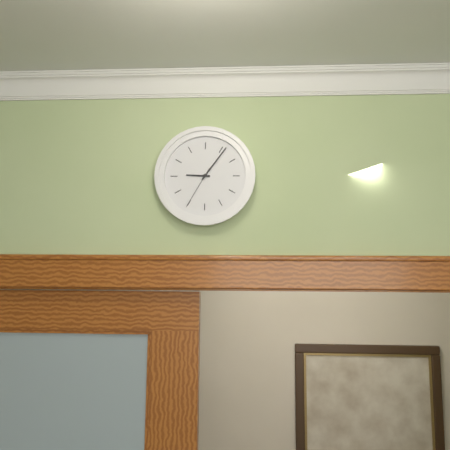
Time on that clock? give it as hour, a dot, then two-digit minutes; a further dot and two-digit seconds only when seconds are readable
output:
9.06
